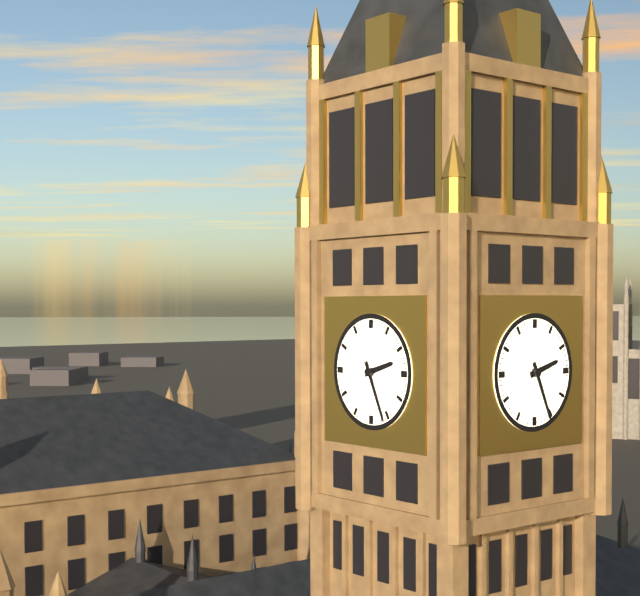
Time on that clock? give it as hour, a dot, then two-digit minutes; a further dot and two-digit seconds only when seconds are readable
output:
2.26
